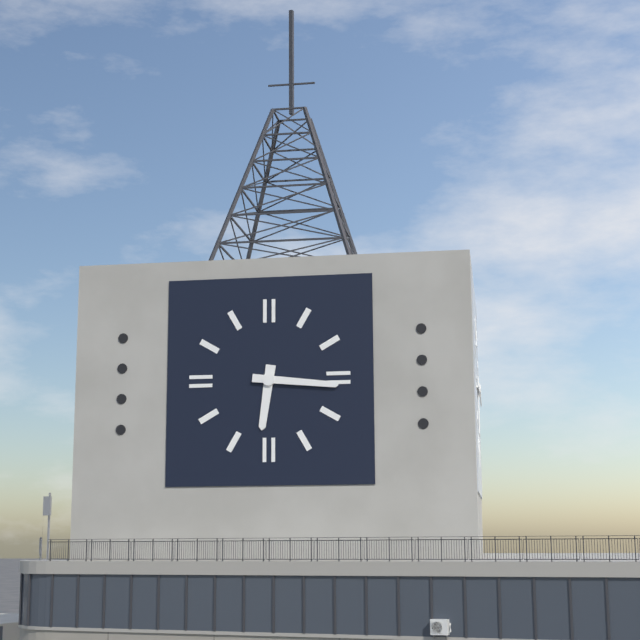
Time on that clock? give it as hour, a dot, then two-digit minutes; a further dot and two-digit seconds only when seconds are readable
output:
6.16
